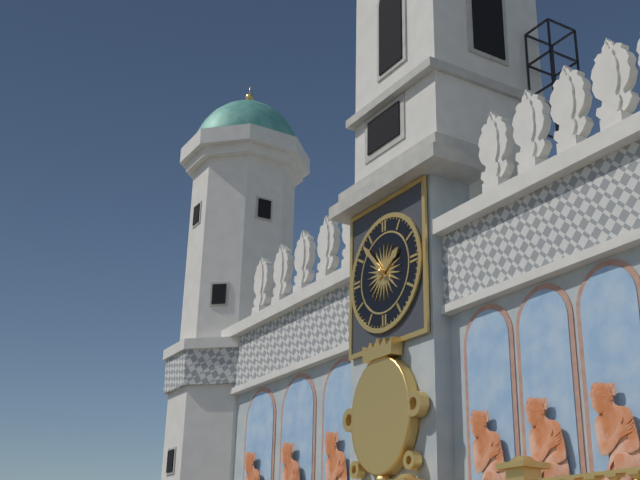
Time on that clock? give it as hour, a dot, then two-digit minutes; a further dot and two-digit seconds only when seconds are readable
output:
1.53
